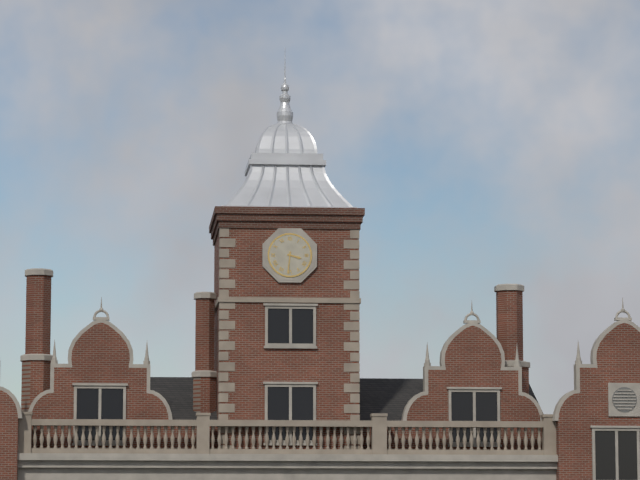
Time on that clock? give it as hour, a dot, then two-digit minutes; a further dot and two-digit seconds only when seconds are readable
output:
3.31
